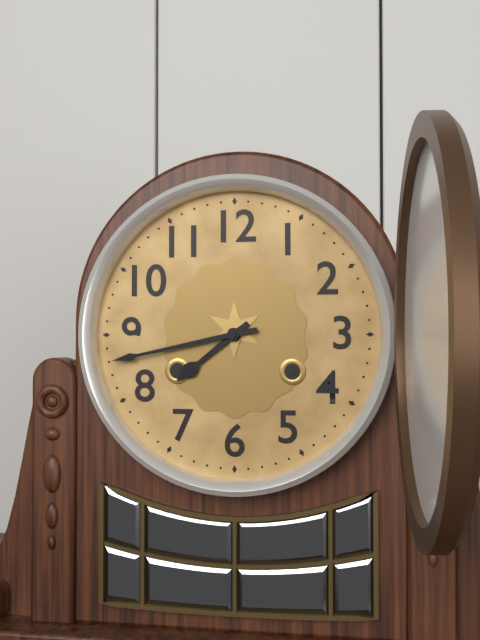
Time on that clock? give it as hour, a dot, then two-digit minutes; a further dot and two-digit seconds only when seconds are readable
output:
7.43
